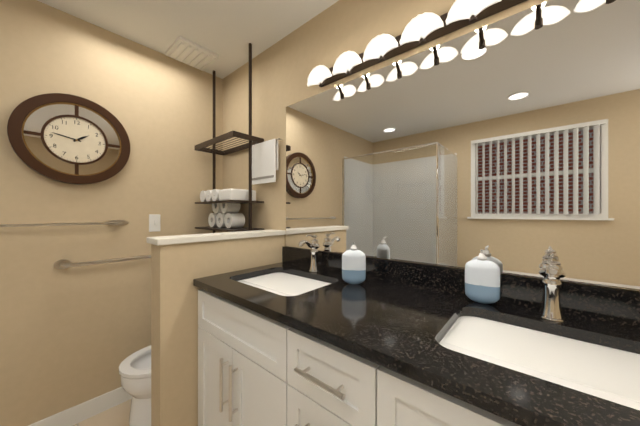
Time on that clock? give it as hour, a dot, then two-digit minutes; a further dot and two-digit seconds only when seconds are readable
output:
1.47
